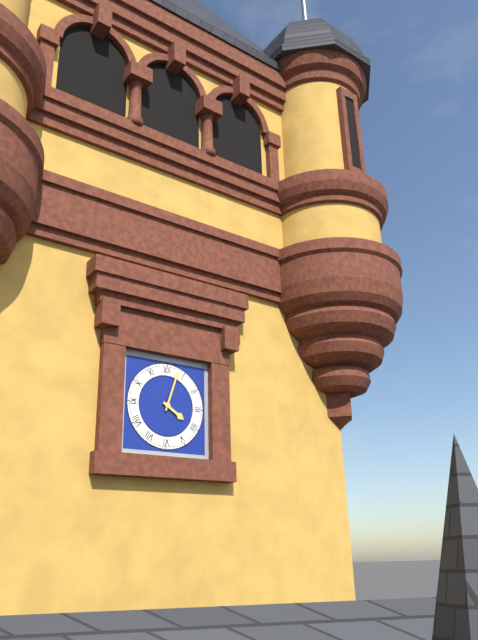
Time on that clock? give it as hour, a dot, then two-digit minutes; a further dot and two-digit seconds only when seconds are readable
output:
4.03
